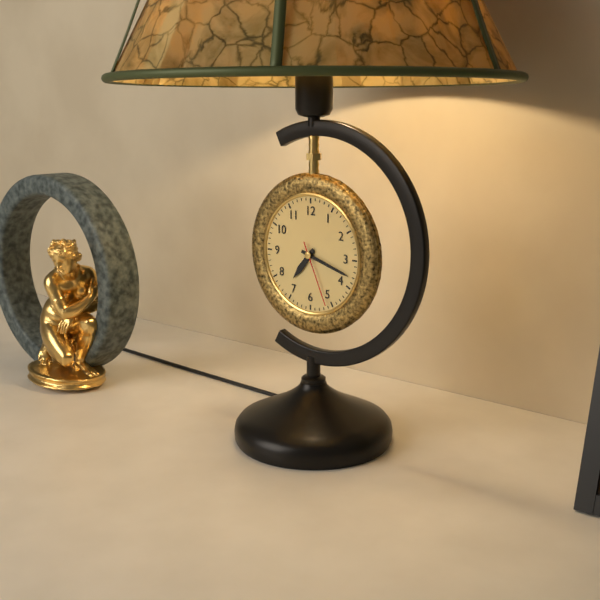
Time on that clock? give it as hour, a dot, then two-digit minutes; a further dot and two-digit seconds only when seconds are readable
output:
7.18.26
